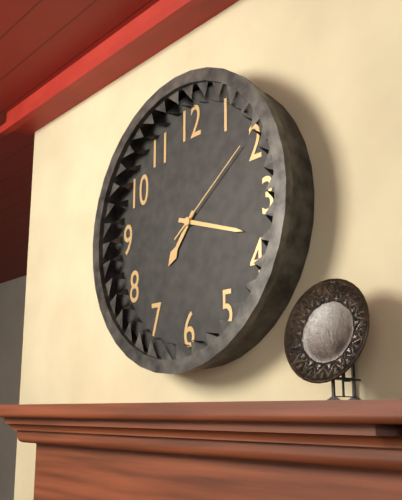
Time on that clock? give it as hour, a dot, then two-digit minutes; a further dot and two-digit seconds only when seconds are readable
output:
7.18.09
